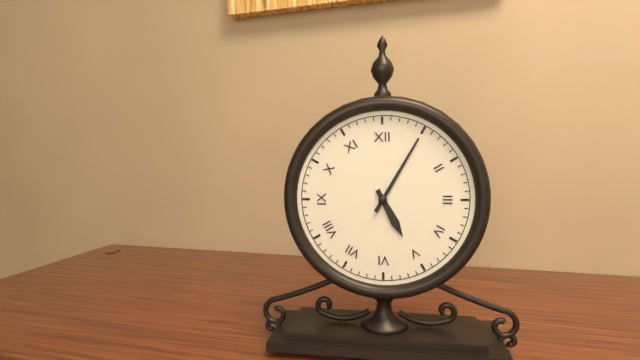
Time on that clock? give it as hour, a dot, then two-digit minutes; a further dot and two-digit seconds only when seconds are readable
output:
5.05
